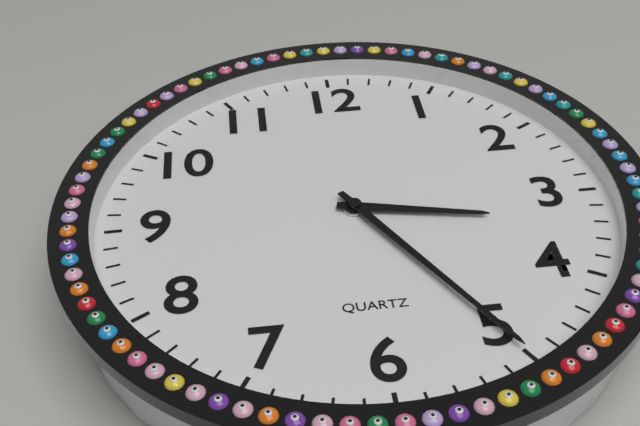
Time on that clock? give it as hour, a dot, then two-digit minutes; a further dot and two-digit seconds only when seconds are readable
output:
3.25
